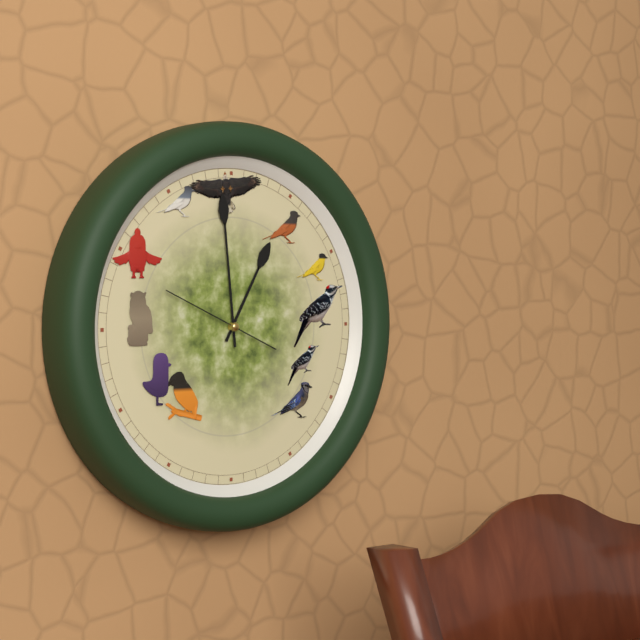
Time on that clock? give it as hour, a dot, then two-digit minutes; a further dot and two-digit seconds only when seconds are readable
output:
12.59.49
